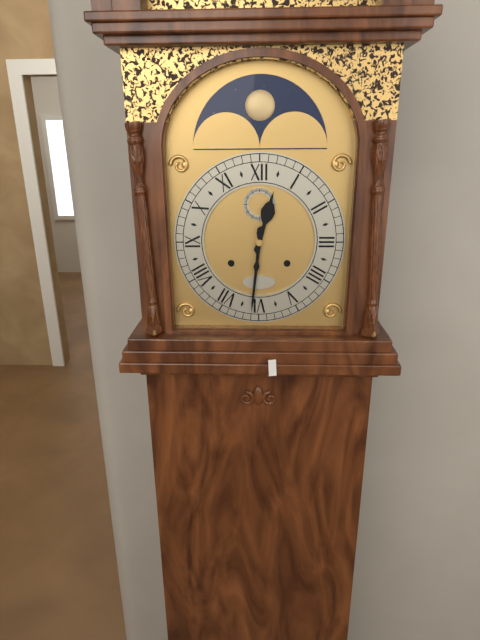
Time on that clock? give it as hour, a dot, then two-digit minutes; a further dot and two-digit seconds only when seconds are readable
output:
12.31
